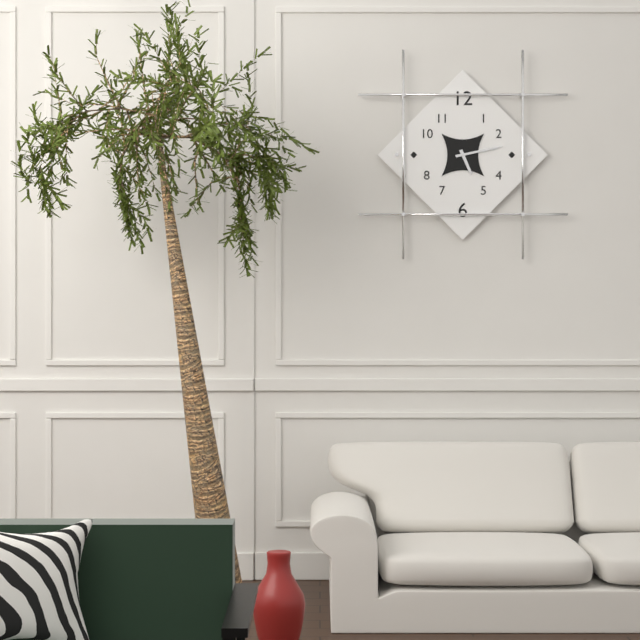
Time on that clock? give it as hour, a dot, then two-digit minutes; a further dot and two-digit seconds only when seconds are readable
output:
5.13
